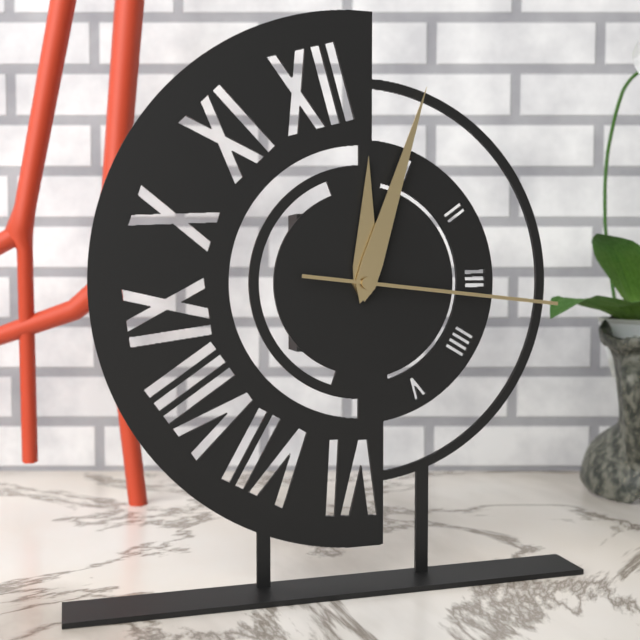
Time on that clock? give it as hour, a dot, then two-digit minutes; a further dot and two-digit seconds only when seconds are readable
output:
12.03.16
